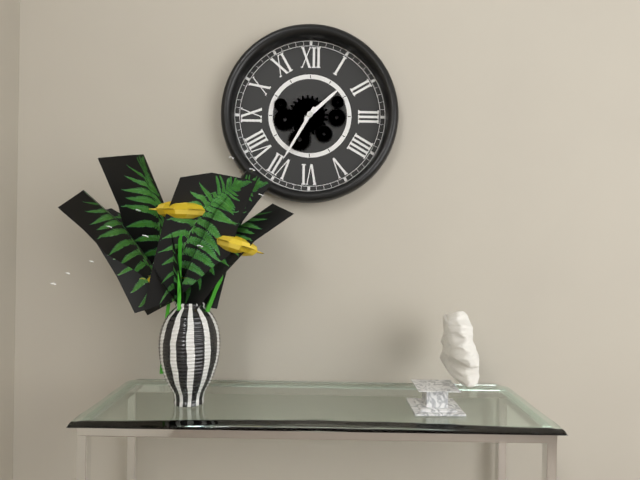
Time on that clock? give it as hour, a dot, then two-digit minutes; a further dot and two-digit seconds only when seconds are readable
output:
1.35
